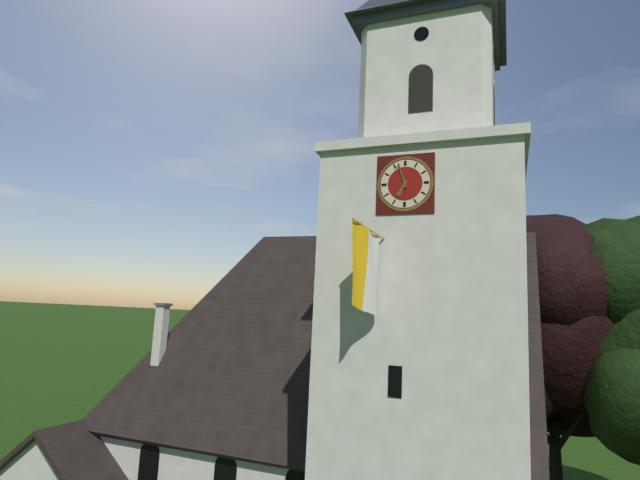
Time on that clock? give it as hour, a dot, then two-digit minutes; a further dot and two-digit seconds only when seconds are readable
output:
6.57
